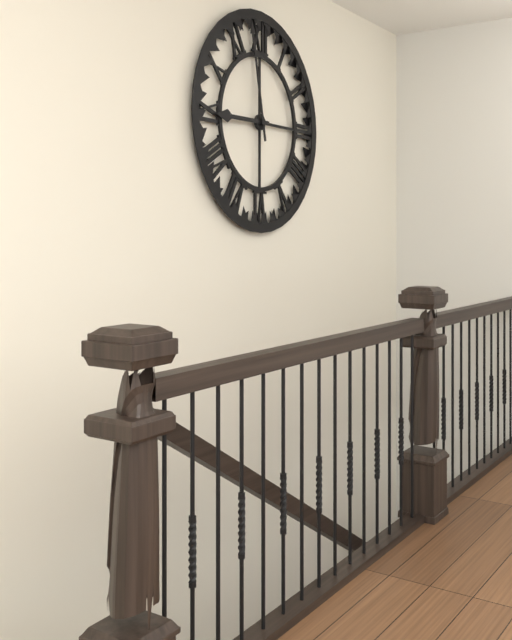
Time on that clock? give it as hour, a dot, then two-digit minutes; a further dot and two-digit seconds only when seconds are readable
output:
8.58
